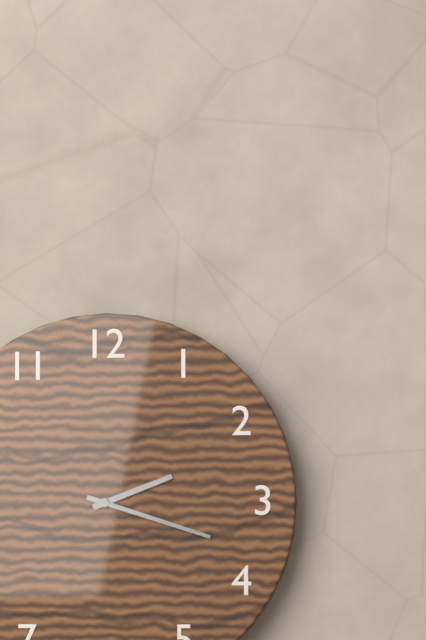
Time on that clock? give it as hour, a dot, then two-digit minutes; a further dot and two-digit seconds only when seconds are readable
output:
2.18
